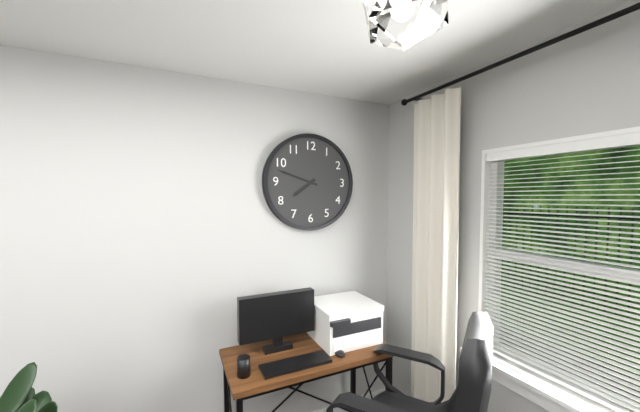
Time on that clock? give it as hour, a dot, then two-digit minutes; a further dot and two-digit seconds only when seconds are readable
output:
7.48
